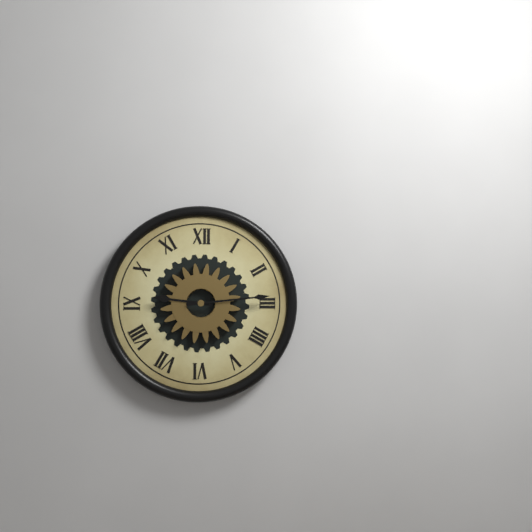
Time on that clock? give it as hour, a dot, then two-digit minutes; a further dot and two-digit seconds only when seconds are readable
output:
9.14
